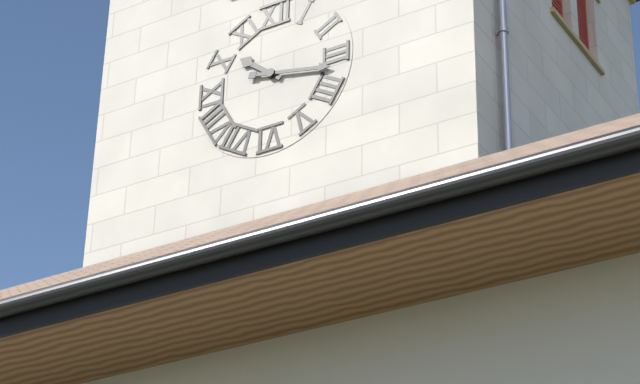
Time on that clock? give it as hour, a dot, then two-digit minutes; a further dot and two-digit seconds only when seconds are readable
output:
10.17
